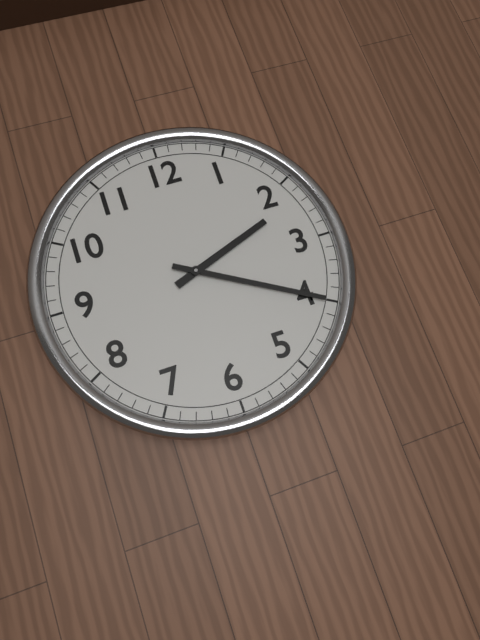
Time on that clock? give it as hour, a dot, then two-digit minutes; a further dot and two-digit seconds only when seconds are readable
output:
2.20
